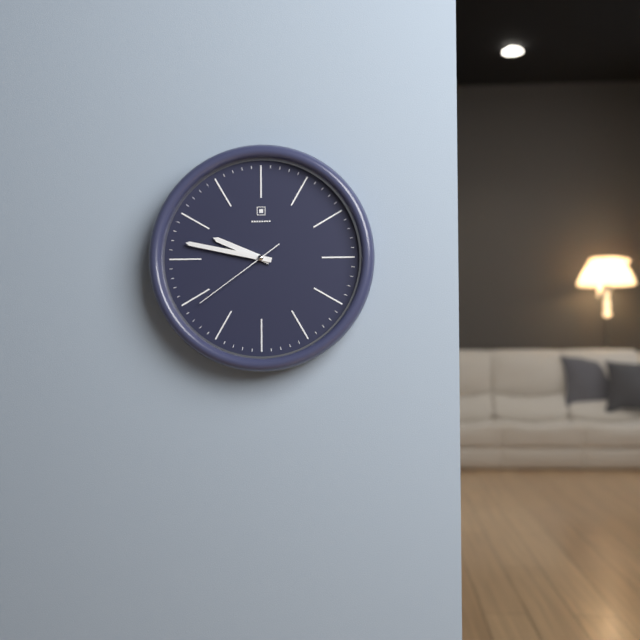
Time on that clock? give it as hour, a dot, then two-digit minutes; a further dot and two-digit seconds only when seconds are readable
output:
9.47.39
